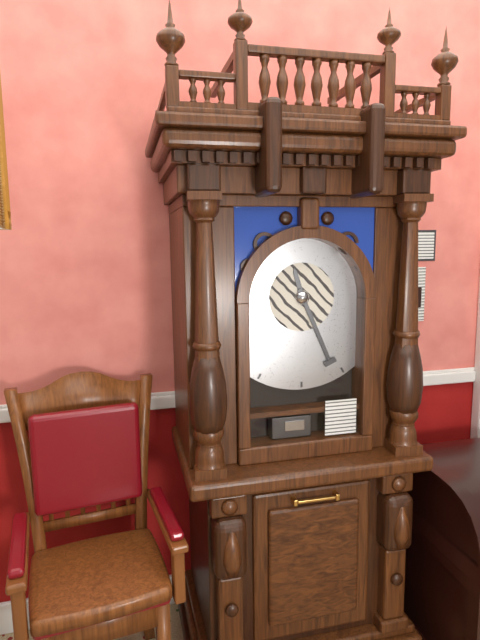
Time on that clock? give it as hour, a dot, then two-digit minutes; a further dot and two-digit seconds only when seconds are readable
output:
11.26
